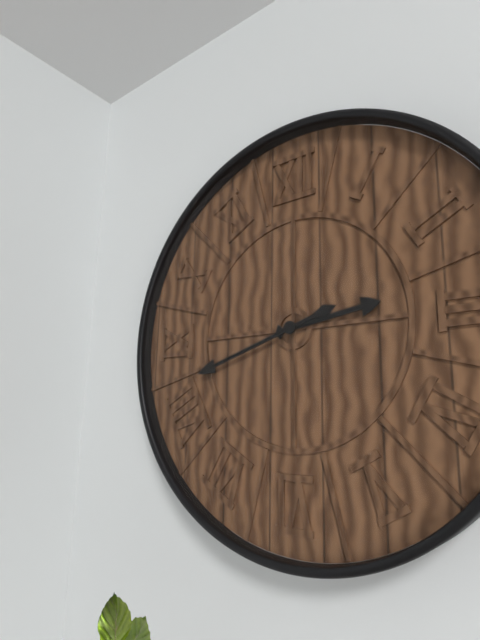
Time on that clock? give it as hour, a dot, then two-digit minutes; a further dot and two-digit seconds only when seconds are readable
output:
2.42
